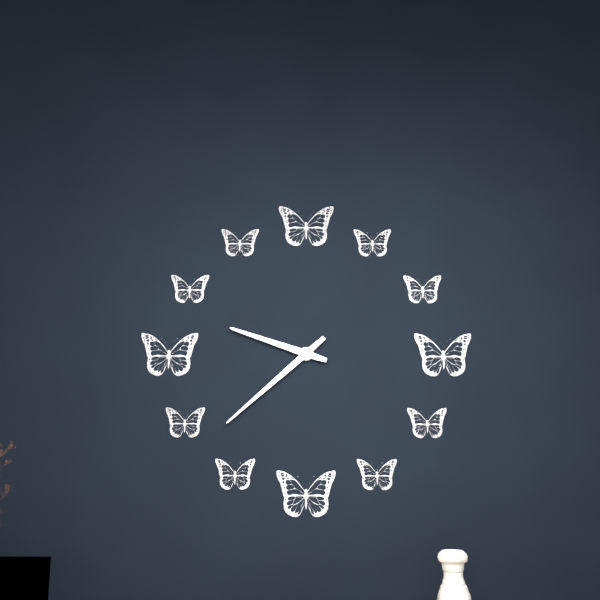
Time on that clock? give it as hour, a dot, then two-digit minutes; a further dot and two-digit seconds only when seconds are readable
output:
9.38
